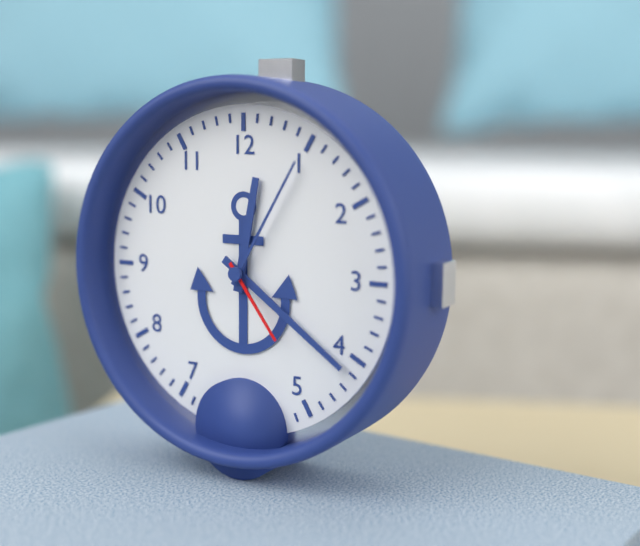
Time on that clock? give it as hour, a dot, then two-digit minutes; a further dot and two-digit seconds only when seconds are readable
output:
12.21.24
